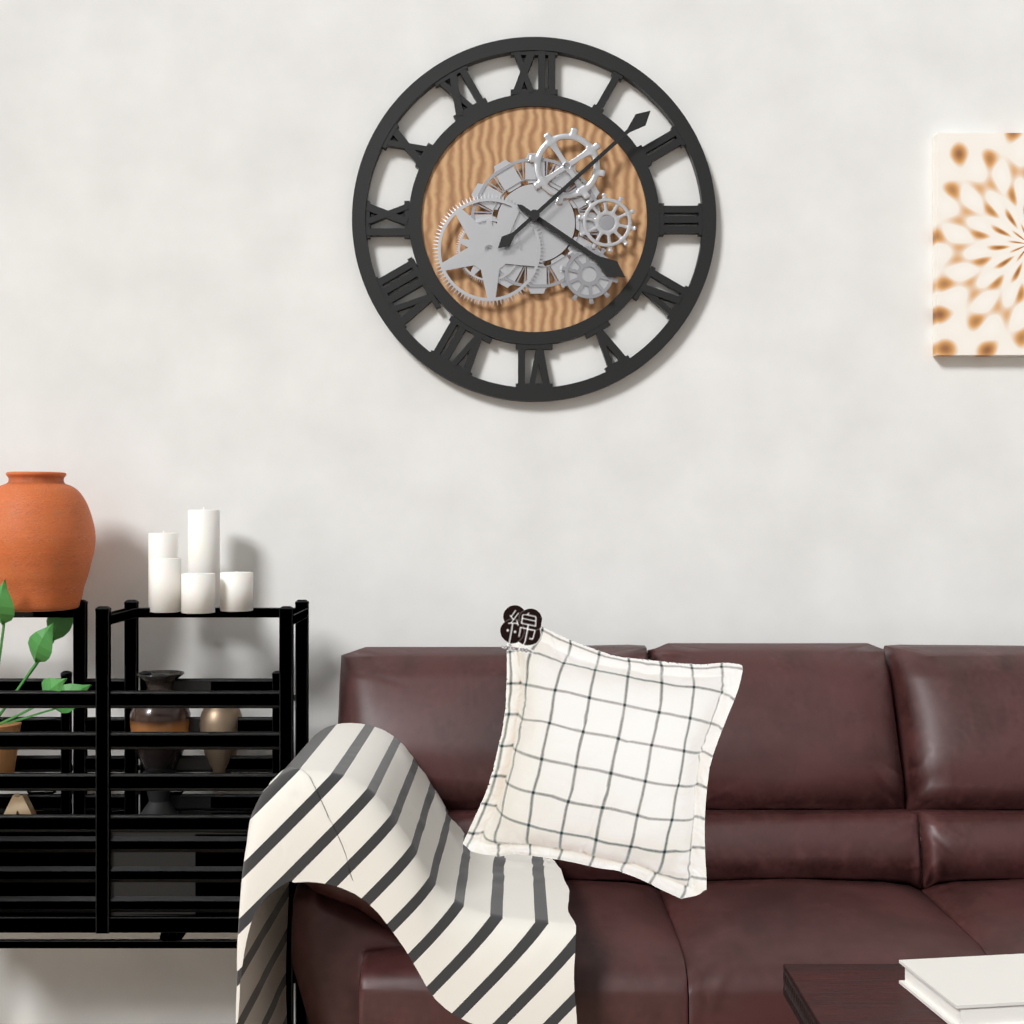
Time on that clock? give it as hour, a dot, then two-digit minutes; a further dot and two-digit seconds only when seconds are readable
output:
4.08
